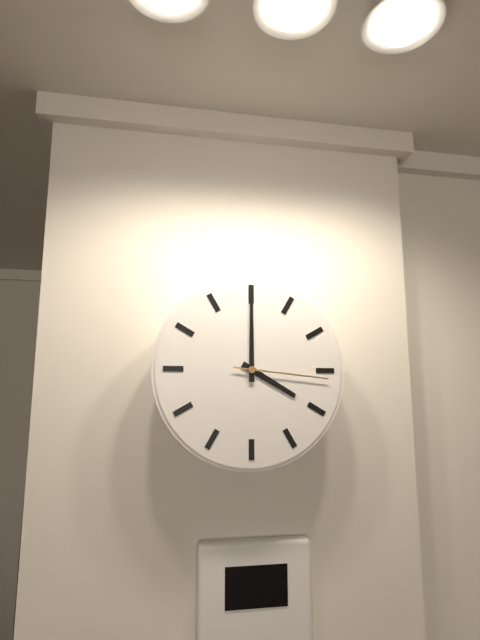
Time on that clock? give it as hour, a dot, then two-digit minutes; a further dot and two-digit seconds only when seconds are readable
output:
4.00.16
